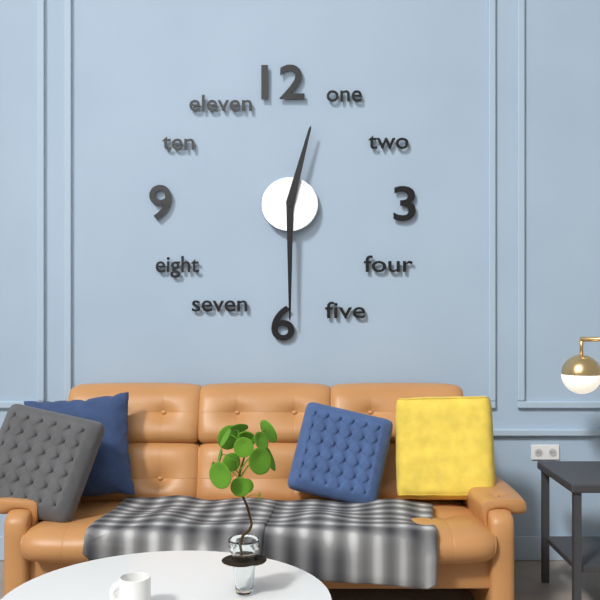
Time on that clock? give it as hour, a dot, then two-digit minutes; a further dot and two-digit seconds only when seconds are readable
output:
12.30
